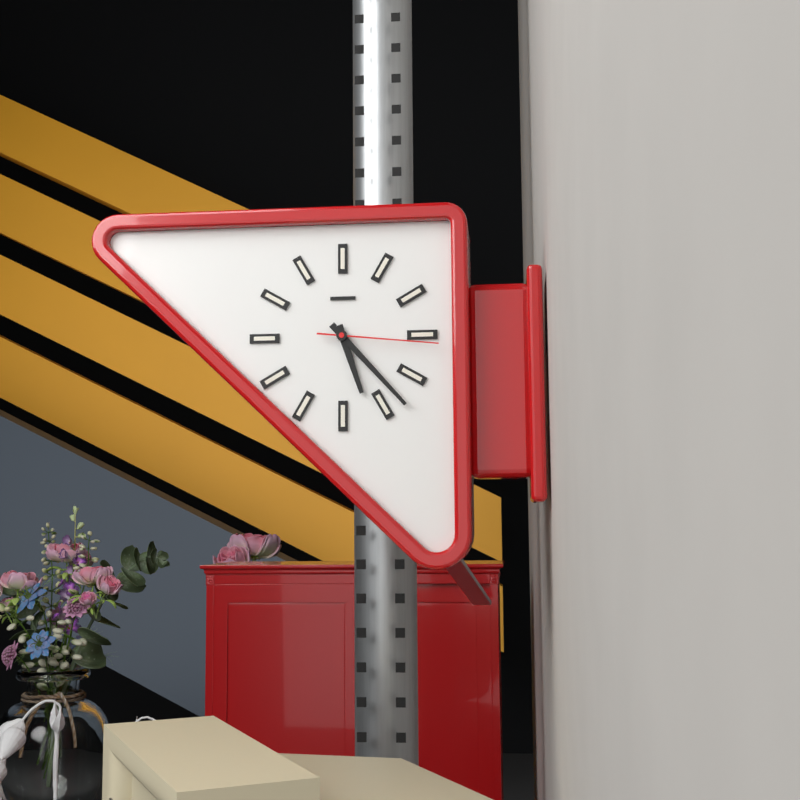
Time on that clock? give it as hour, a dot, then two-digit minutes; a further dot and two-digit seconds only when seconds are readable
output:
5.23.16
